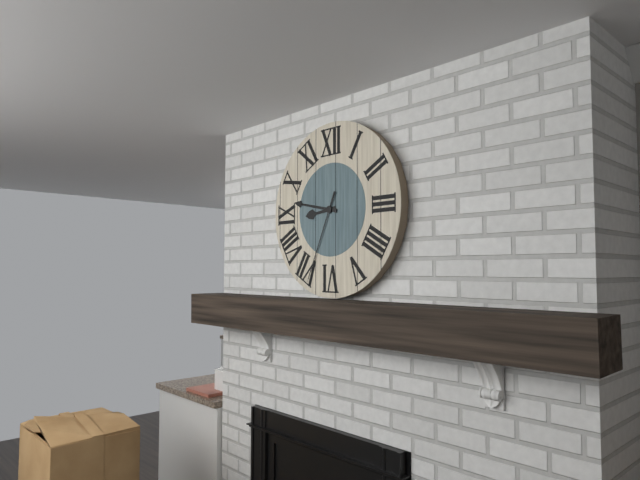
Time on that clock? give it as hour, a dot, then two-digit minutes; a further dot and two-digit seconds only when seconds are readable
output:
8.47.34
